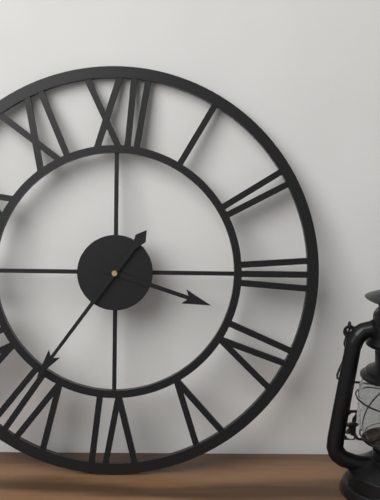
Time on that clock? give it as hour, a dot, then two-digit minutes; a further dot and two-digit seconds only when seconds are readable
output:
3.36
